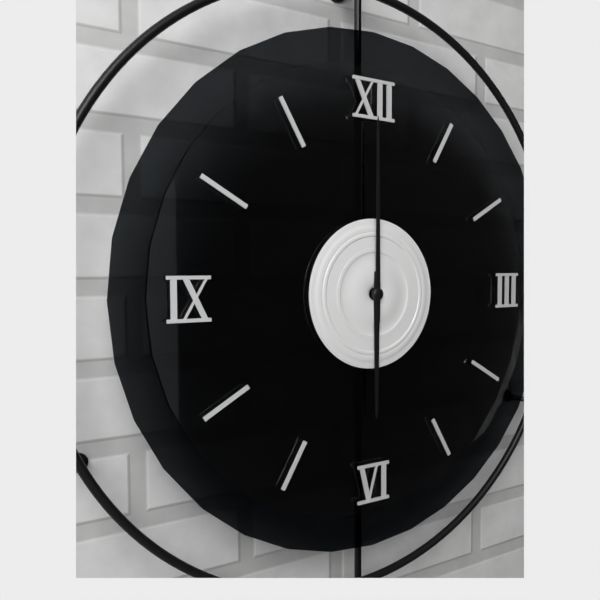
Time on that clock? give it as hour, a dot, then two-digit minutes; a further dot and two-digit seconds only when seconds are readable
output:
6.00
